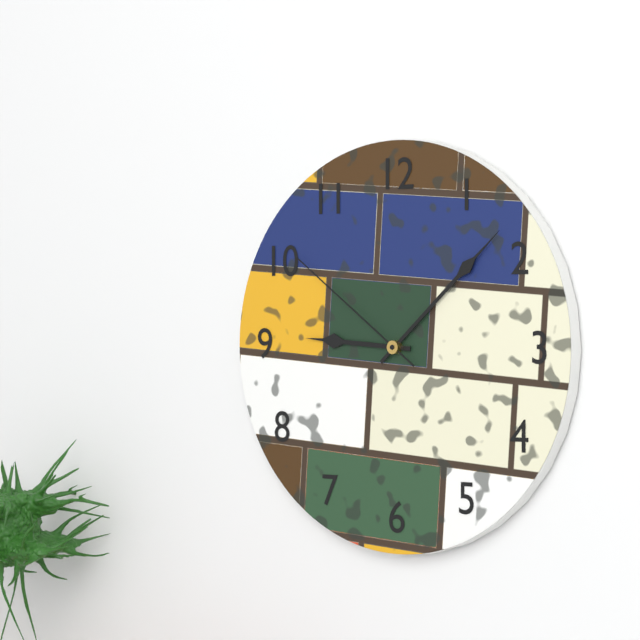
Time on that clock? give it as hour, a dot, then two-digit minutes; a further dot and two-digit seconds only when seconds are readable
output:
9.08.51
